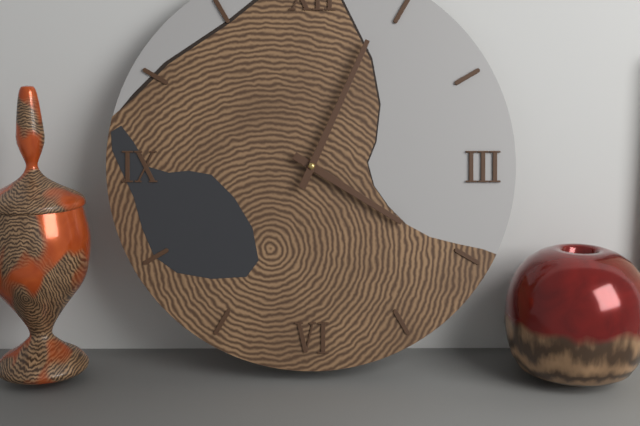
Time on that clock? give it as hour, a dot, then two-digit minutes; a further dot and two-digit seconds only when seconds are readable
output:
4.04
